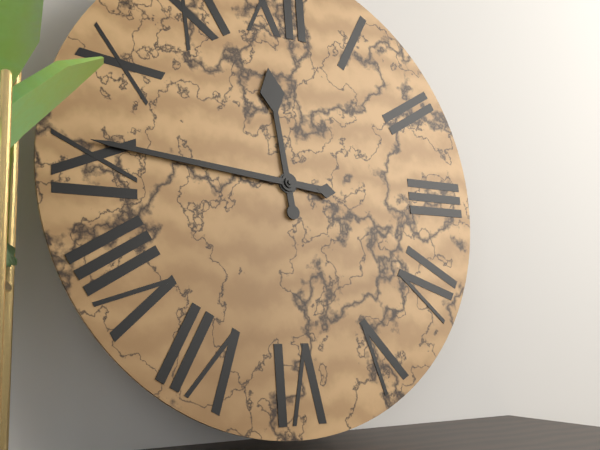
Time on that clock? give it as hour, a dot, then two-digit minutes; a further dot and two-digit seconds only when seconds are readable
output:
11.46
